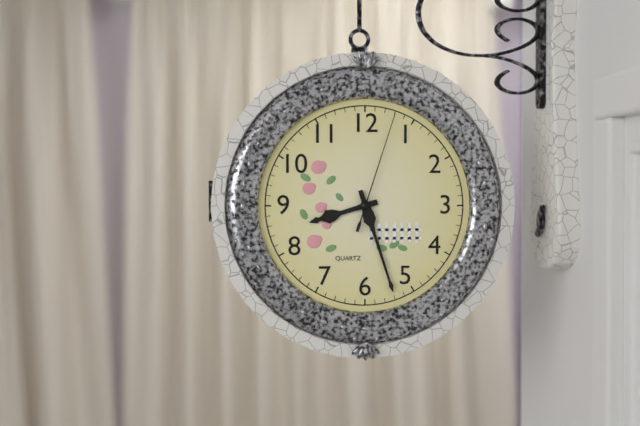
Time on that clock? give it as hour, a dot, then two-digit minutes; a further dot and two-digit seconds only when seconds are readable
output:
8.27.03
